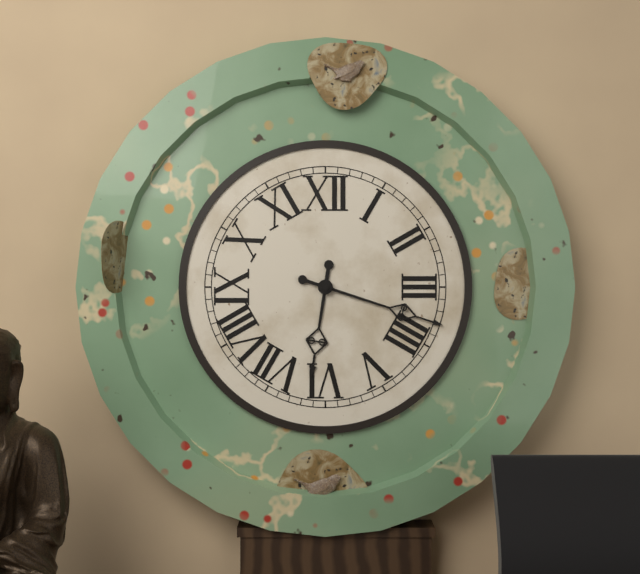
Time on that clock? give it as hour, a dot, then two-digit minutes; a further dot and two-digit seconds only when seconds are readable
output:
6.18
